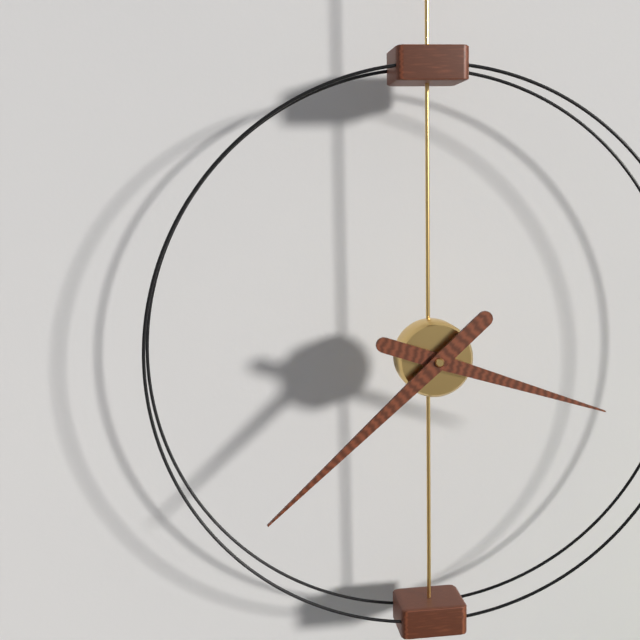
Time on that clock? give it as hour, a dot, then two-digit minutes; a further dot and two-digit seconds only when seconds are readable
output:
3.38
